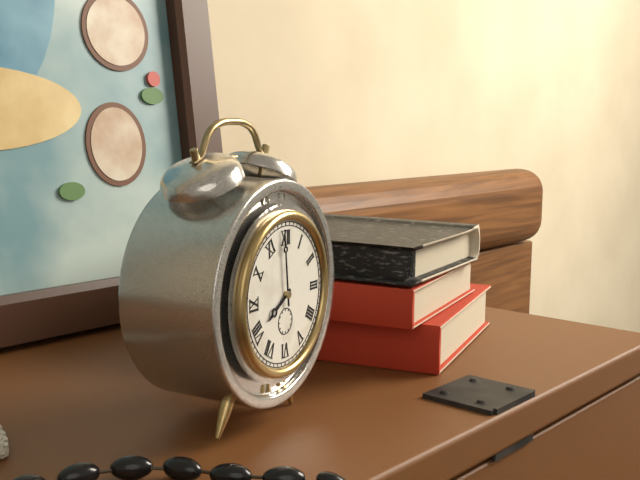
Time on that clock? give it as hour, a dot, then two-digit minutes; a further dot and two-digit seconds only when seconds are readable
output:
7.59
